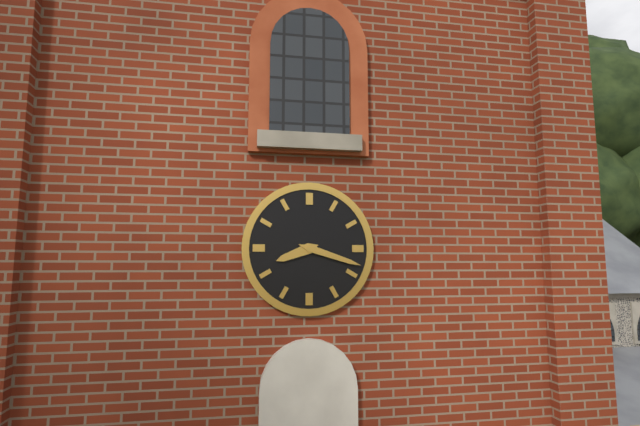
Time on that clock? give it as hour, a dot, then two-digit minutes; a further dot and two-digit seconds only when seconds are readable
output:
8.18
